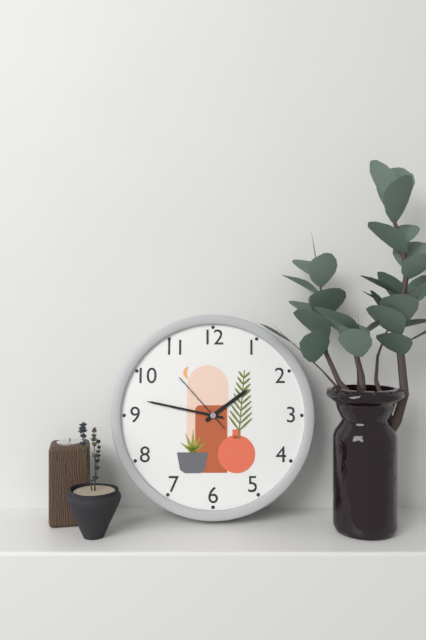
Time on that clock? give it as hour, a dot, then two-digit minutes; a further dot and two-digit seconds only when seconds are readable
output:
1.47.53
